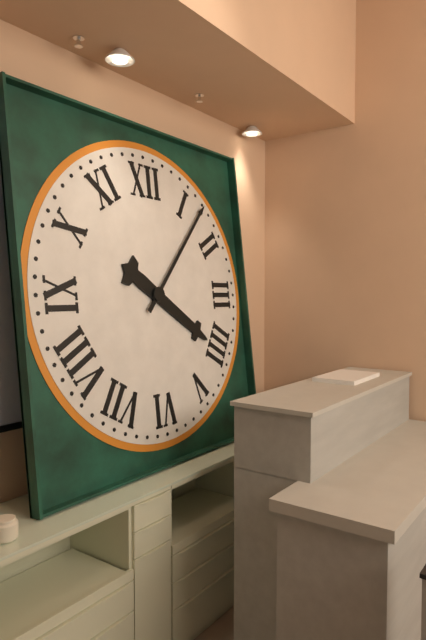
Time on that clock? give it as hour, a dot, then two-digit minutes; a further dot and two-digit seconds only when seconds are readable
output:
4.07
